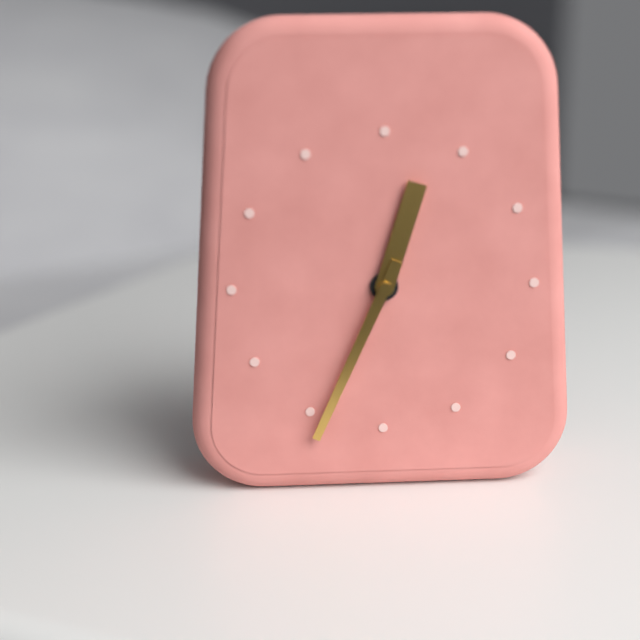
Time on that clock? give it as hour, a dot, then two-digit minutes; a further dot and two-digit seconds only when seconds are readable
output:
12.34
